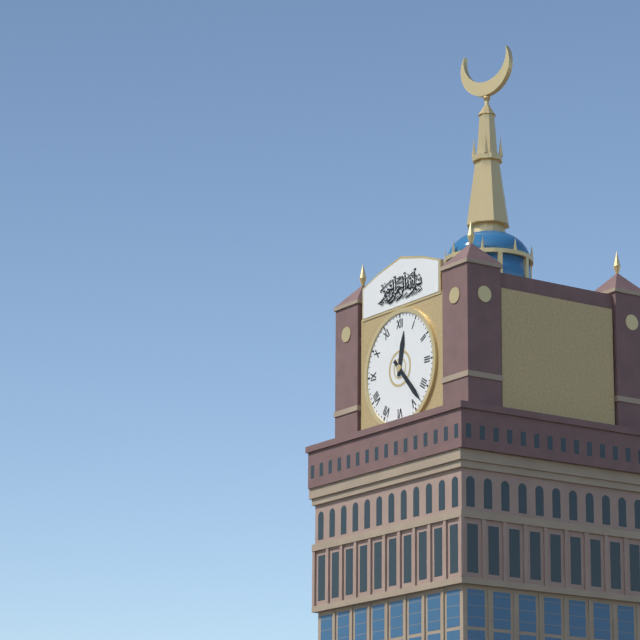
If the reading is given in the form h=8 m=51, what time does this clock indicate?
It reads h=12 m=23
